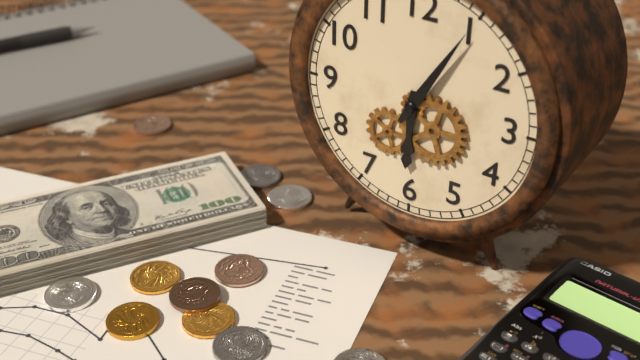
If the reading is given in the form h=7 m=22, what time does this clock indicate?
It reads h=6 m=5
